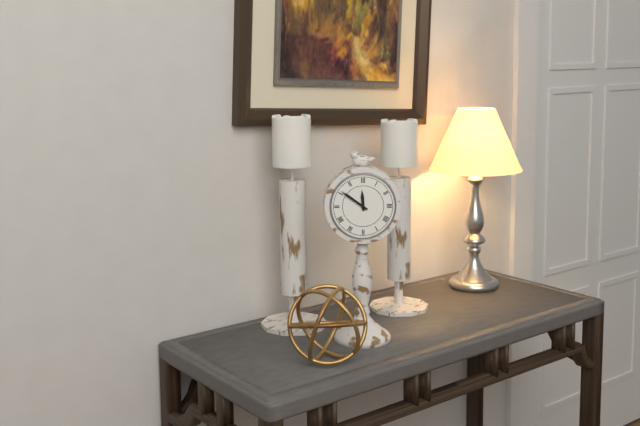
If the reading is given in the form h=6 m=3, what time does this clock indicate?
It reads h=11 m=51
